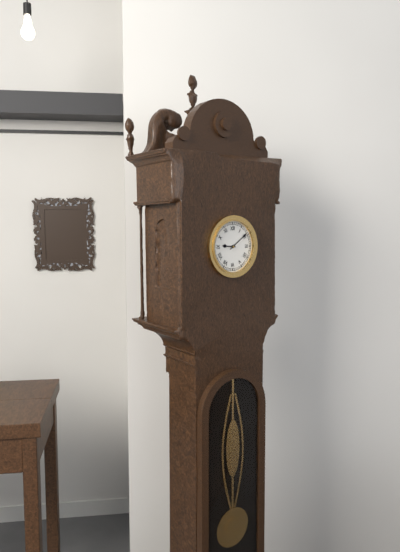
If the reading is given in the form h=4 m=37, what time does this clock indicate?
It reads h=9 m=9
